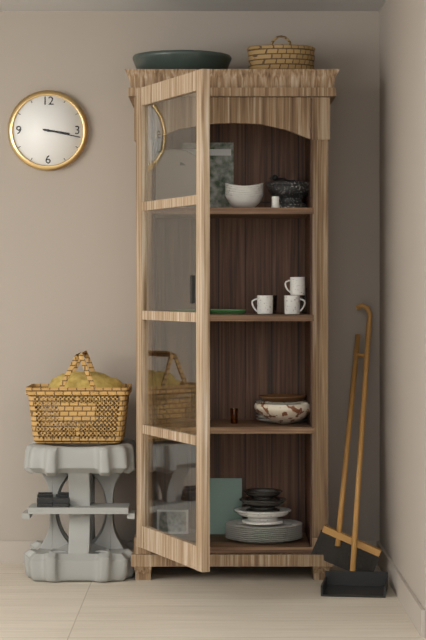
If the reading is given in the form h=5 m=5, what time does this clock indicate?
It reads h=3 m=17
